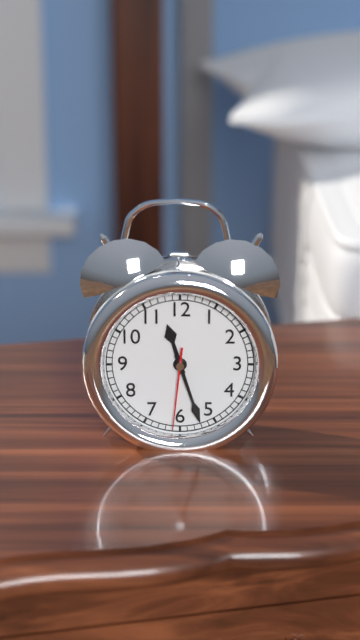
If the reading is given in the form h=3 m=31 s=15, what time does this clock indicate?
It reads h=11 m=27 s=31
